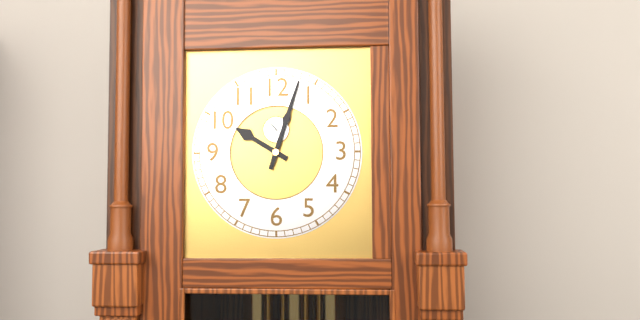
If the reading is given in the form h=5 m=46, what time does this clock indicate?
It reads h=10 m=3
